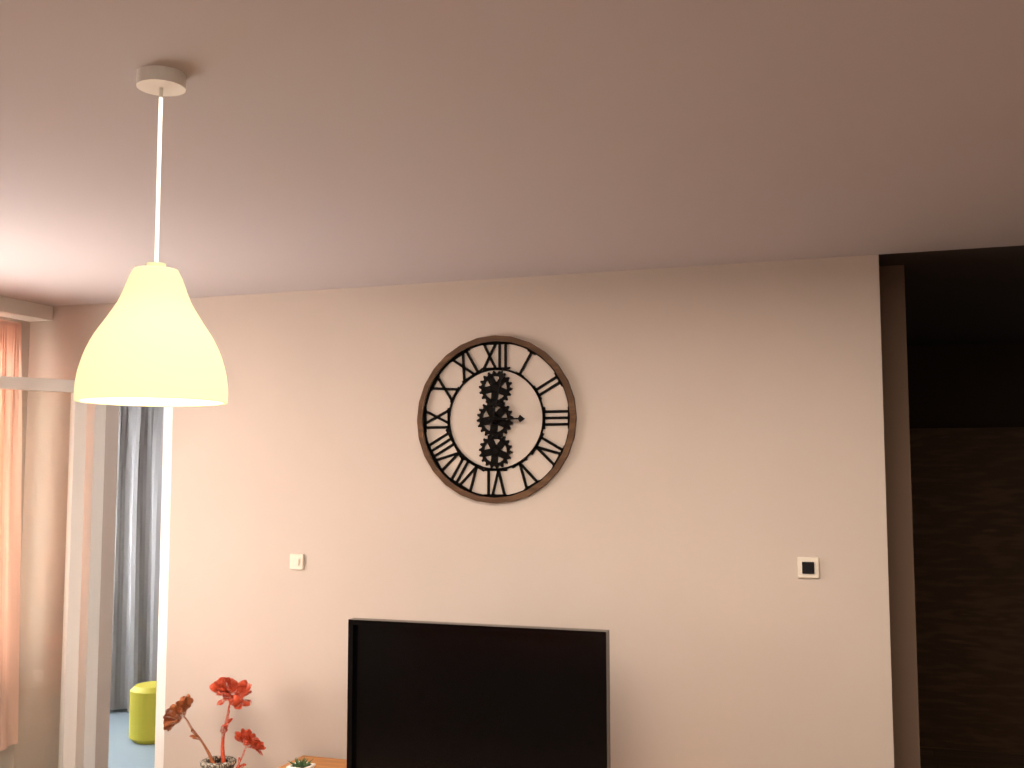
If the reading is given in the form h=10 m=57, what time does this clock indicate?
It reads h=3 m=2
